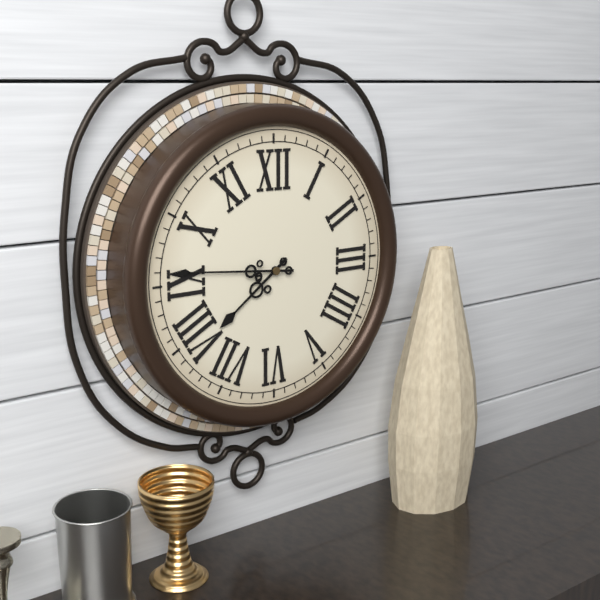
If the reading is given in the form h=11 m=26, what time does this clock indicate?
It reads h=7 m=46
